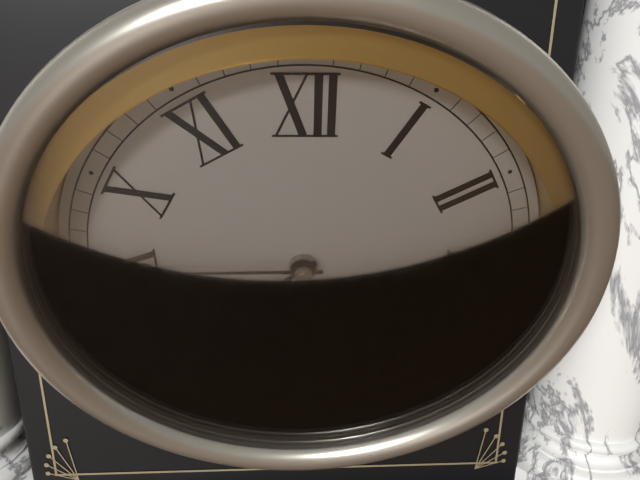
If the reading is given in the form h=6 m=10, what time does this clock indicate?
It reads h=7 m=45
